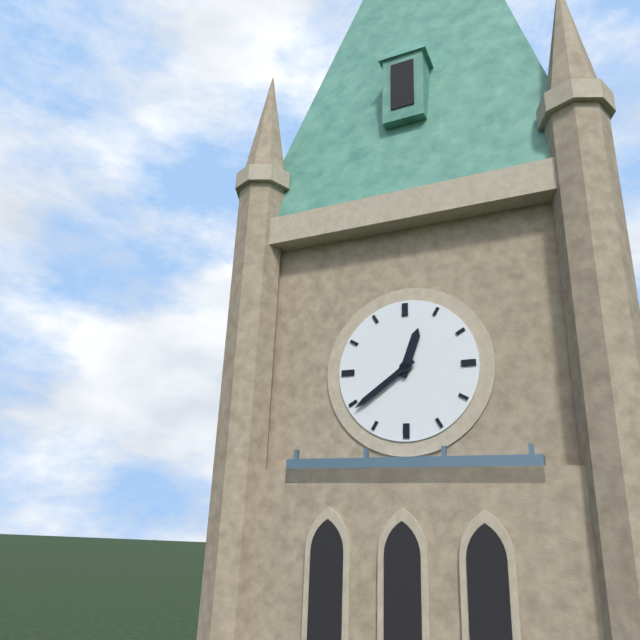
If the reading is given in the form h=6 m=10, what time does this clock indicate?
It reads h=12 m=39
